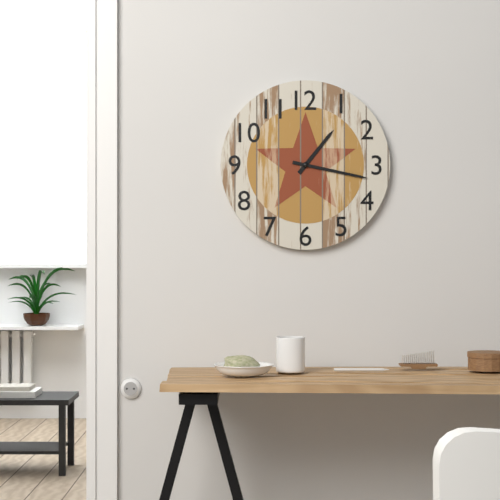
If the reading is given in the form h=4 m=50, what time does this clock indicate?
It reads h=1 m=17
